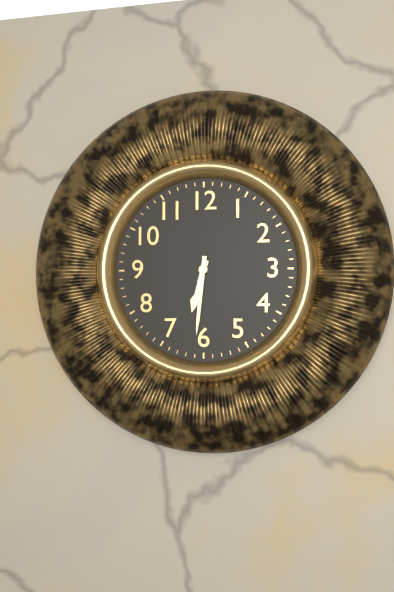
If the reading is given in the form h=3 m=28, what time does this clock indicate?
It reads h=6 m=31
